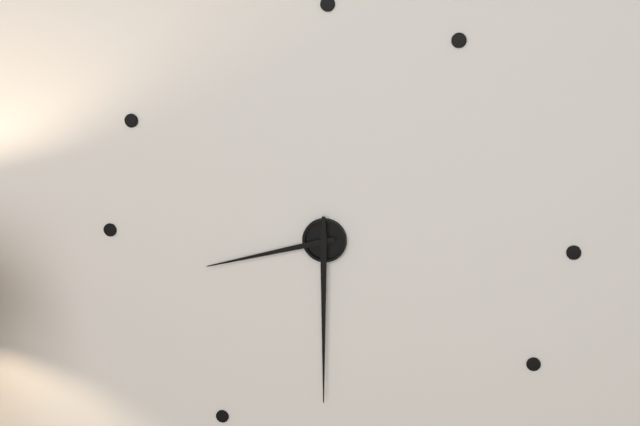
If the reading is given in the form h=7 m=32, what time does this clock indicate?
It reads h=8 m=30
